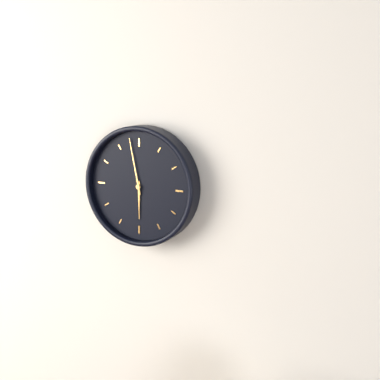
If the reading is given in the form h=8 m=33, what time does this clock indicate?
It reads h=5 m=58
